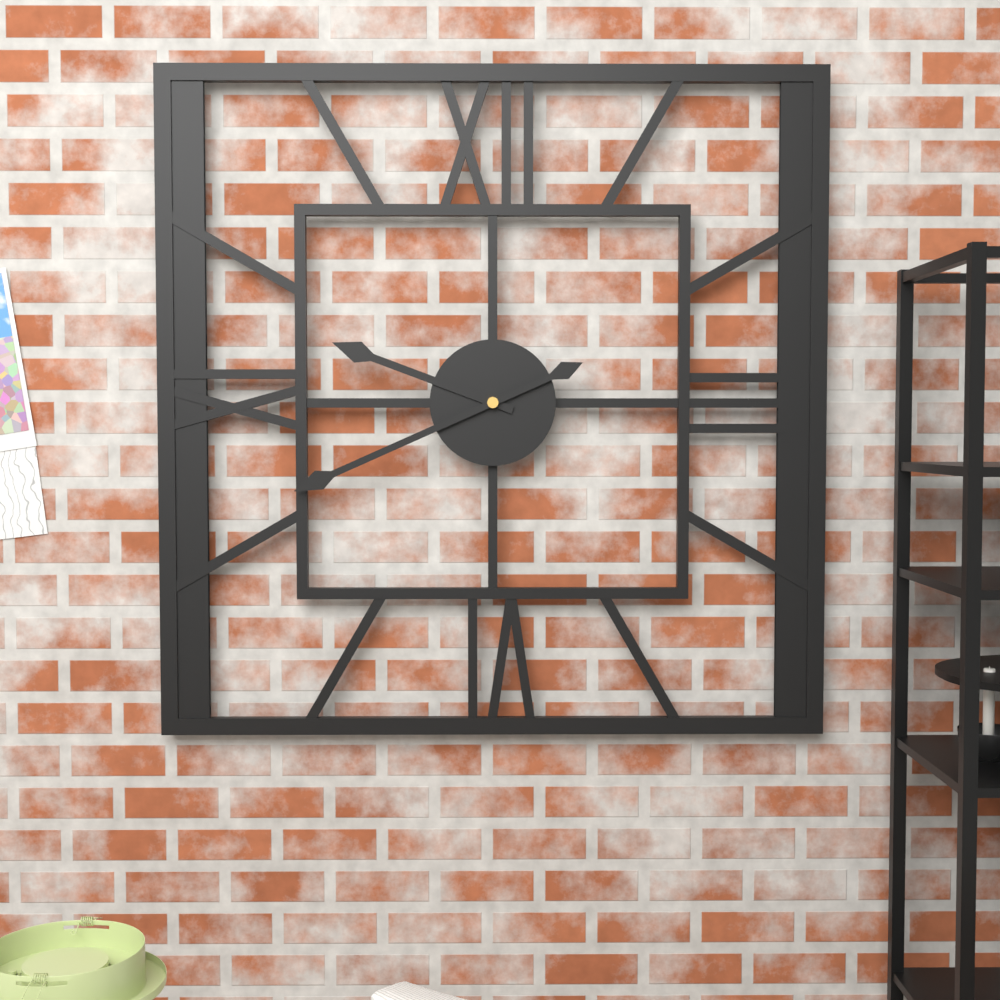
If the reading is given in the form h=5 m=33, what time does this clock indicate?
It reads h=9 m=41
